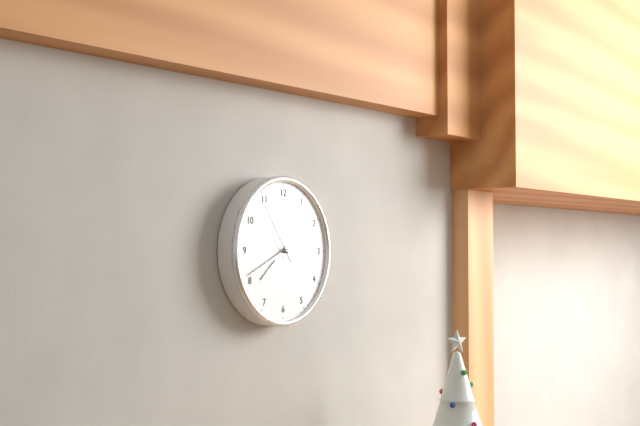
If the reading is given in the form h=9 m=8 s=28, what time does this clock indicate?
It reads h=7 m=41 s=54
